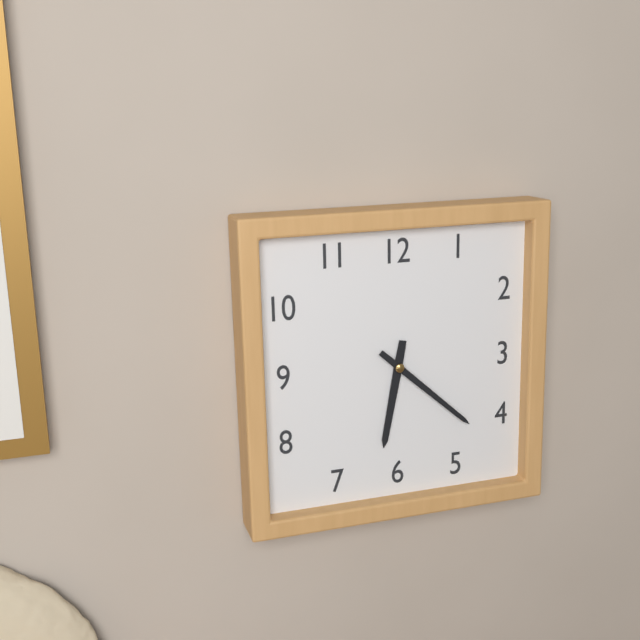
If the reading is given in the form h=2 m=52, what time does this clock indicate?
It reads h=6 m=22
